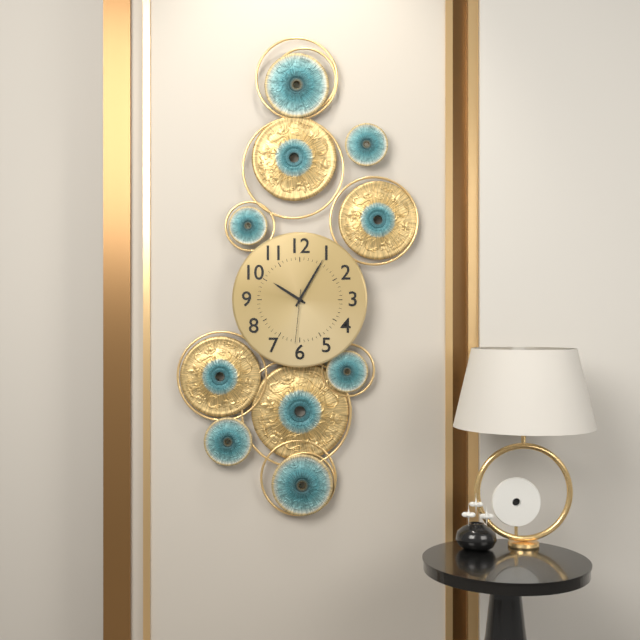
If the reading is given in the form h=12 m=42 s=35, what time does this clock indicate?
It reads h=10 m=5 s=31
